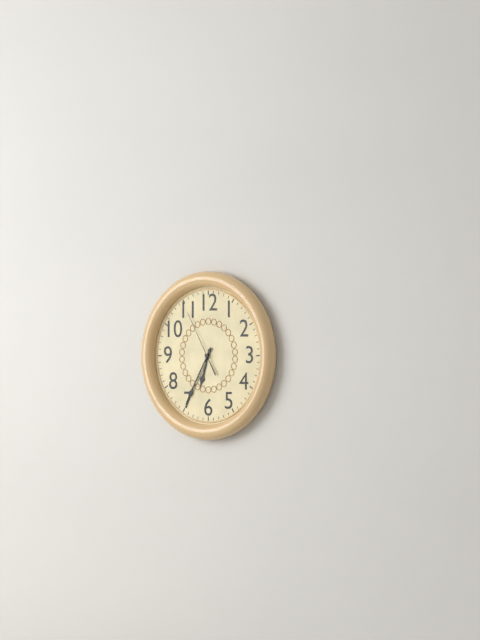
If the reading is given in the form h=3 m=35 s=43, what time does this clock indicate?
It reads h=6 m=35 s=55
